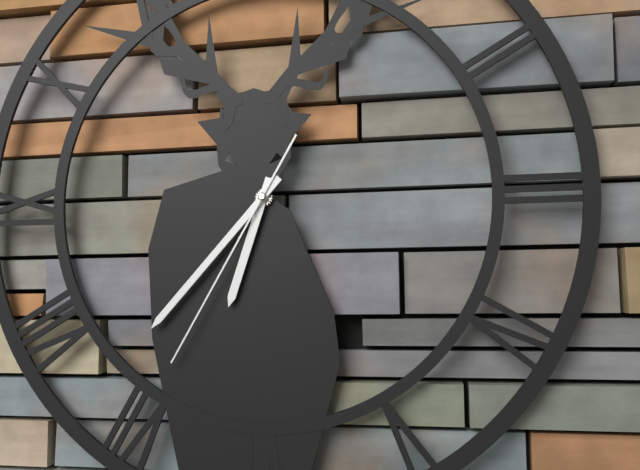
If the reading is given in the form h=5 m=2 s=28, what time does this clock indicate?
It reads h=6 m=37 s=35
